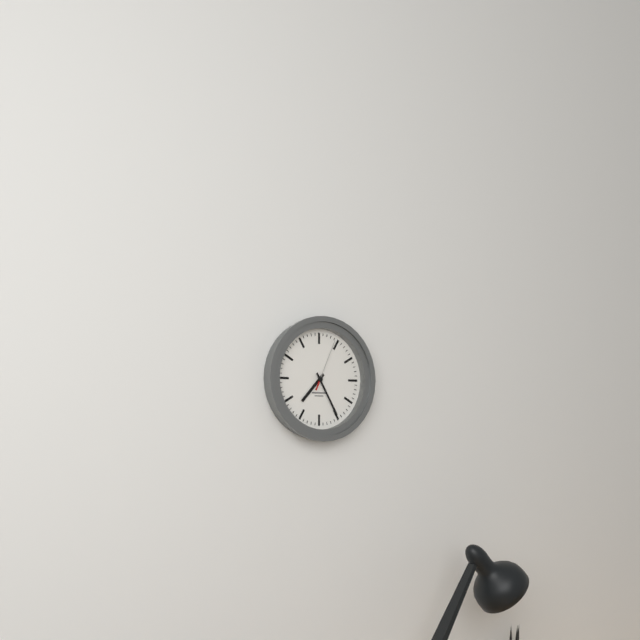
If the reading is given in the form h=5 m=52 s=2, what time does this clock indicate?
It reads h=7 m=25 s=4
